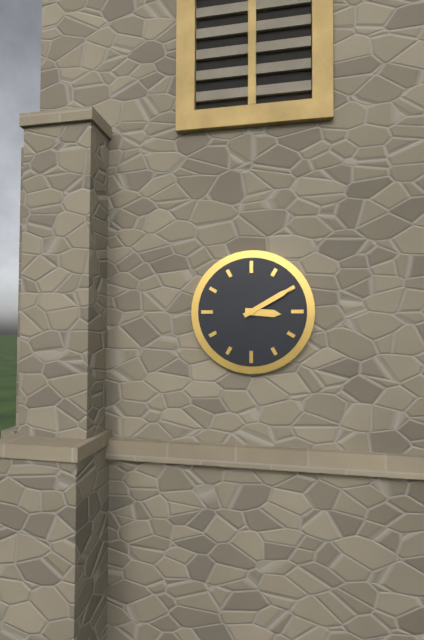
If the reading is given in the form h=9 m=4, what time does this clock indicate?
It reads h=3 m=10
